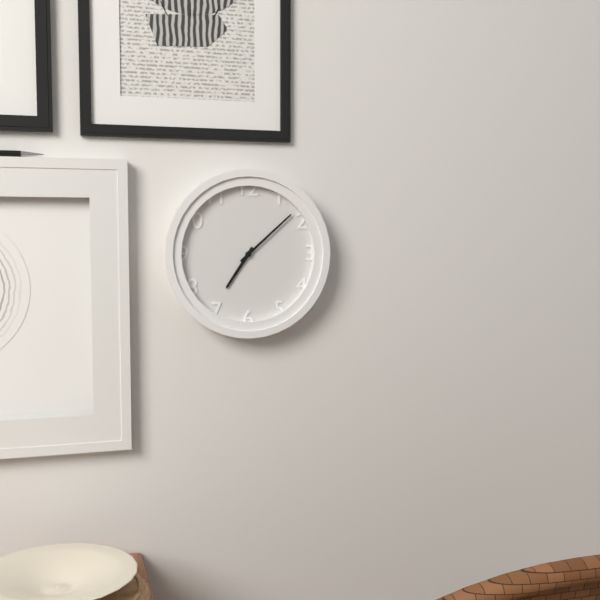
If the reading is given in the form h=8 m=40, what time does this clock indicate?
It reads h=7 m=8
